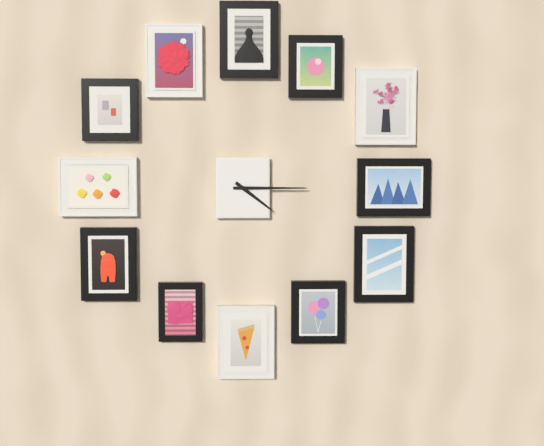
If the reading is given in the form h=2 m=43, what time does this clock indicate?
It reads h=4 m=15
